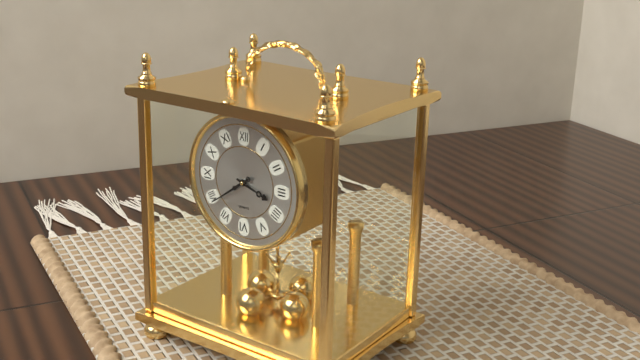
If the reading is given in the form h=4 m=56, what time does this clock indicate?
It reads h=3 m=39
